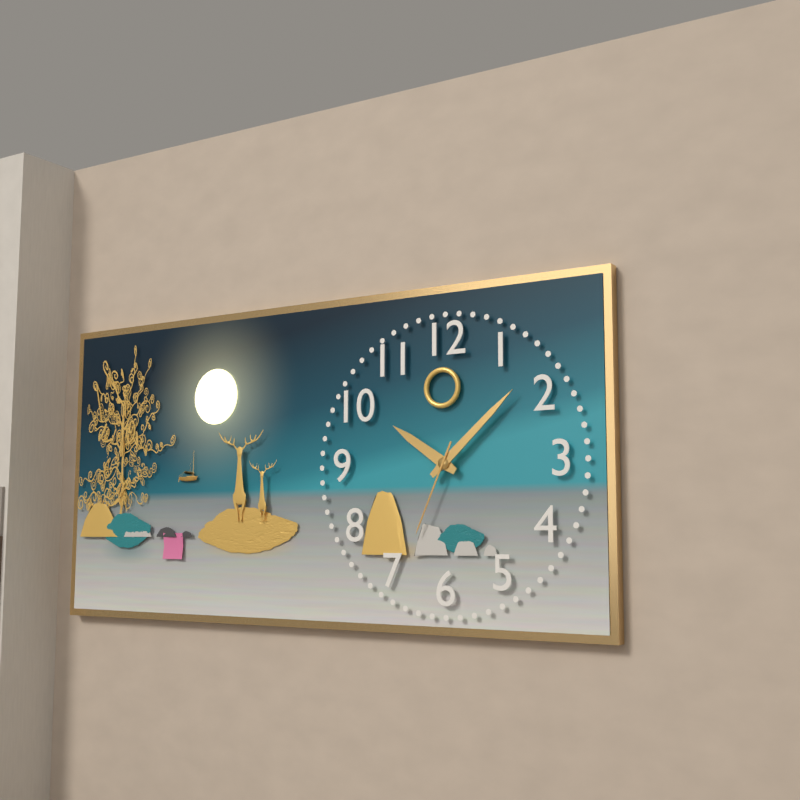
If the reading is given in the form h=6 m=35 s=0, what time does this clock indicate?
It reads h=10 m=8 s=34
